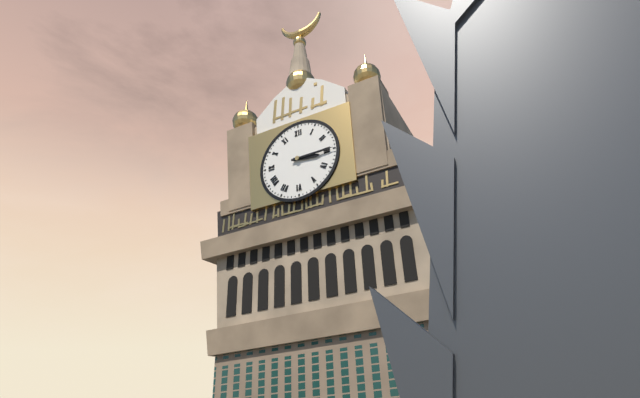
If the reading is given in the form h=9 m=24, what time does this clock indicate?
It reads h=3 m=15
